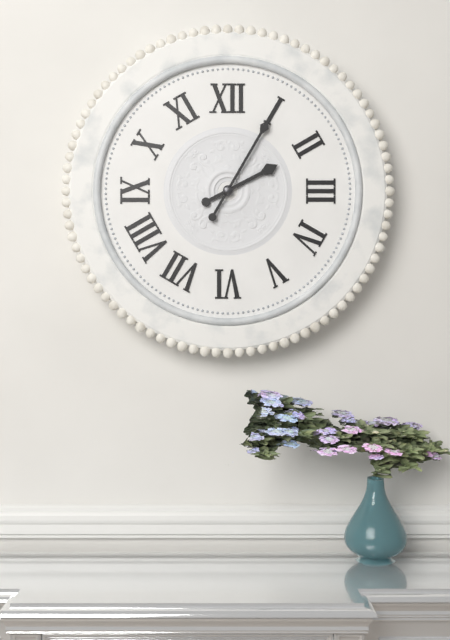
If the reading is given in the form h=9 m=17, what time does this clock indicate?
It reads h=2 m=5
